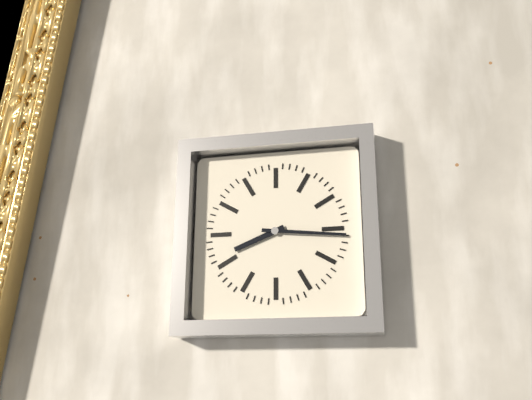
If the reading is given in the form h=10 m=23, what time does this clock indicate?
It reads h=8 m=16
